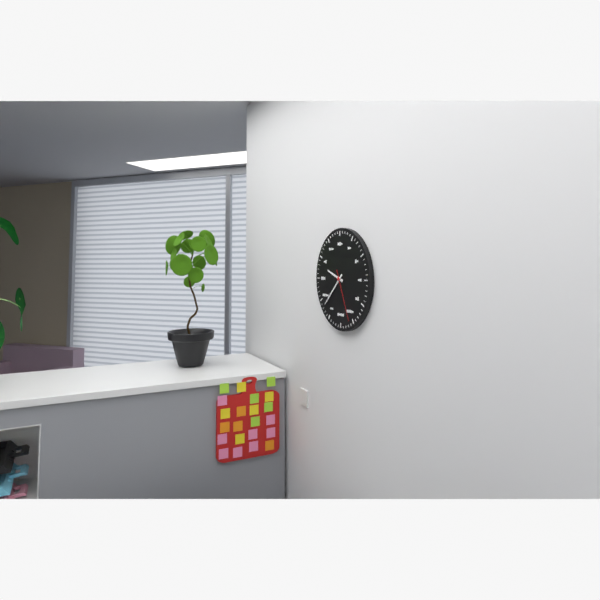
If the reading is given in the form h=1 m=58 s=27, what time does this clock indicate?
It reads h=9 m=38 s=26
